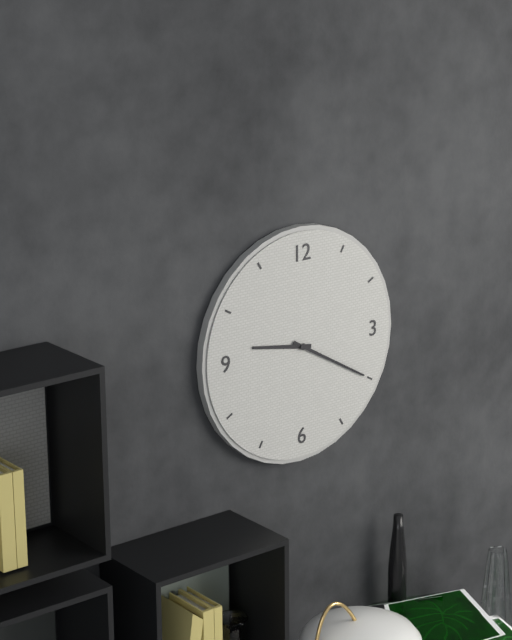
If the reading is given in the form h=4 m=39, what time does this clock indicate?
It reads h=9 m=20
